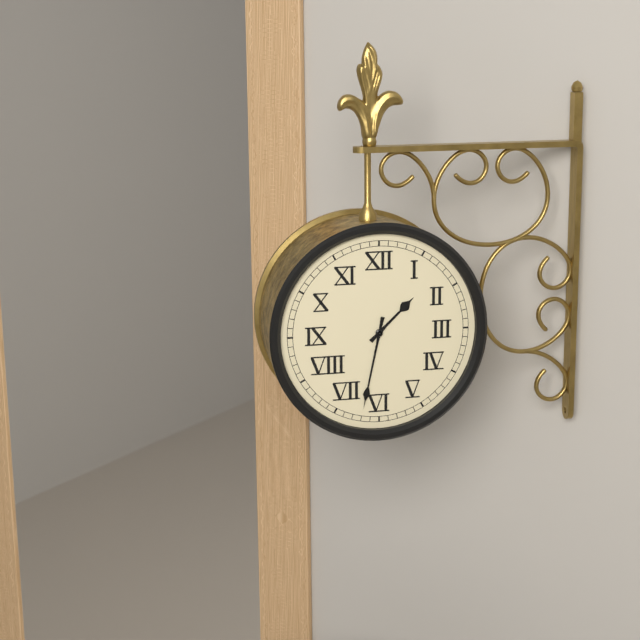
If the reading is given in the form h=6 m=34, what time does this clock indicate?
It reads h=1 m=32
